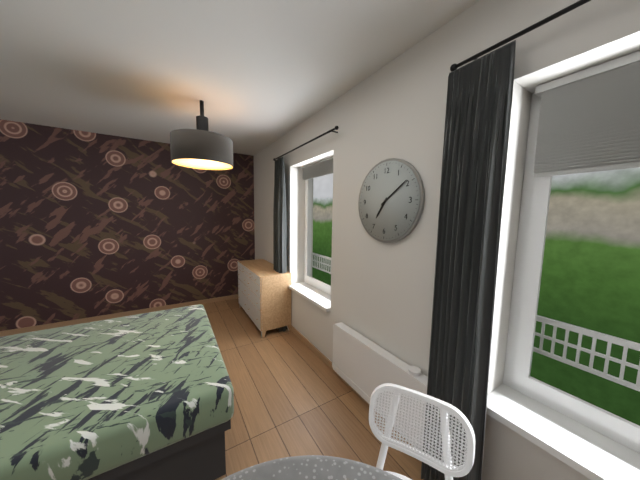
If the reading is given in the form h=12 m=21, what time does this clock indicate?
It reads h=7 m=9
